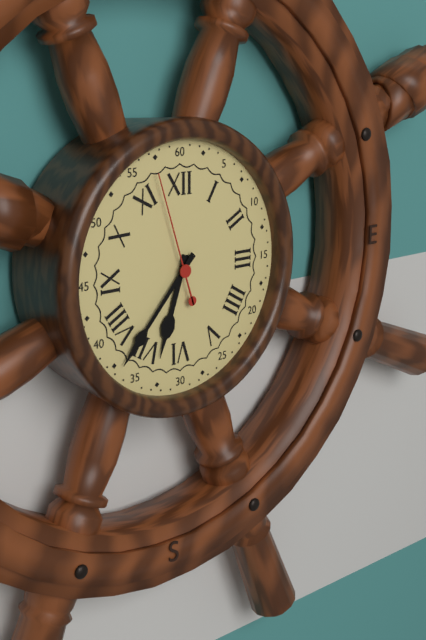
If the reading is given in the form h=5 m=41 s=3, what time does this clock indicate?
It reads h=6 m=37 s=57
